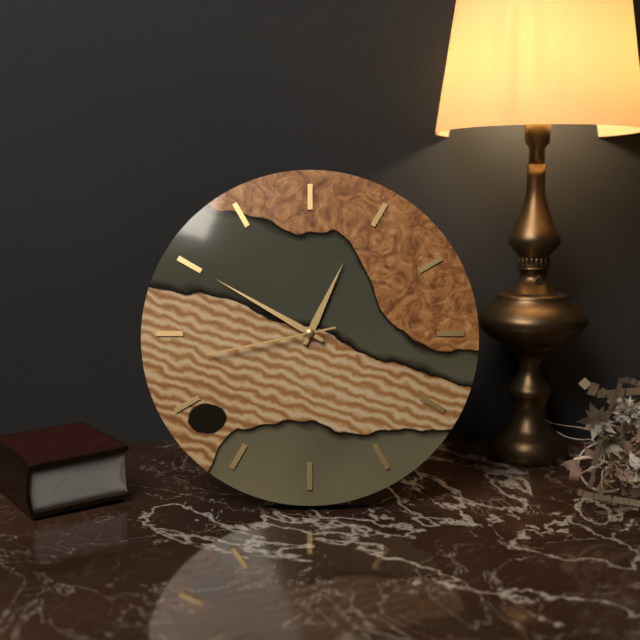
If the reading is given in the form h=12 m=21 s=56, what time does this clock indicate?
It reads h=12 m=50 s=43
